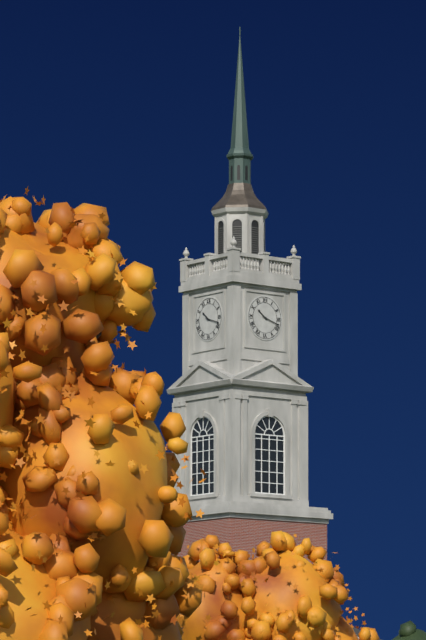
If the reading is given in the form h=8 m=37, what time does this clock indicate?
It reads h=10 m=18
